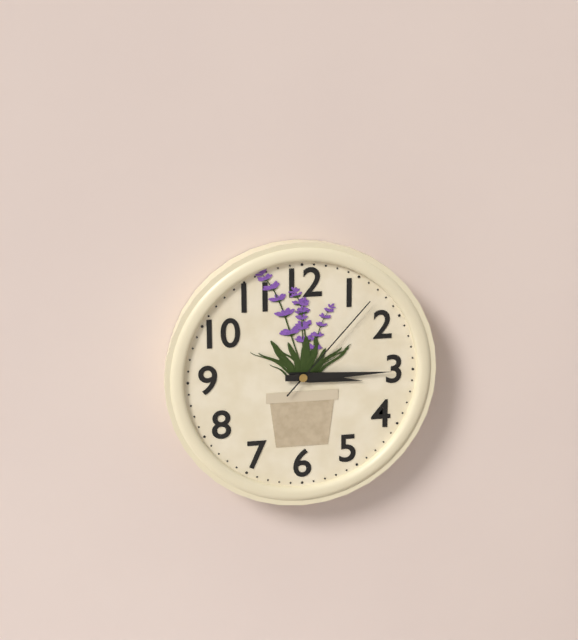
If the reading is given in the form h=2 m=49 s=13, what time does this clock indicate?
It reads h=3 m=15 s=7
